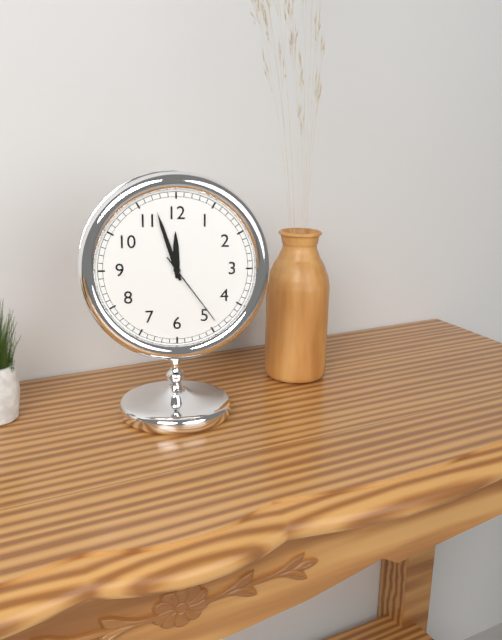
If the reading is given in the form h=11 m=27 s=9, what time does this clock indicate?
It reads h=11 m=57 s=24
